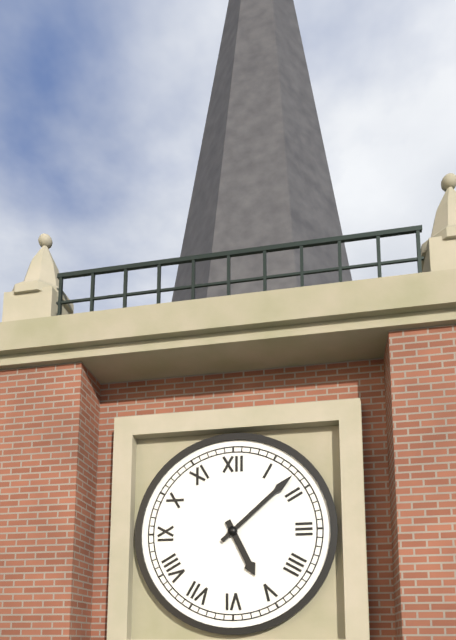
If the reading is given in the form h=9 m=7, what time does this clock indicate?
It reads h=5 m=8
